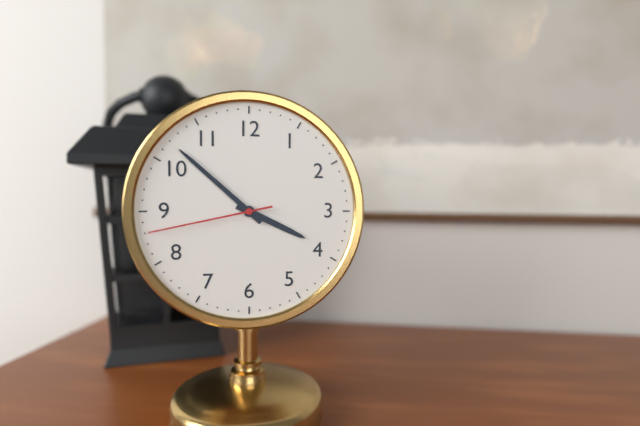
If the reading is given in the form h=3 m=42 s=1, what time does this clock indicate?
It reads h=3 m=52 s=43
